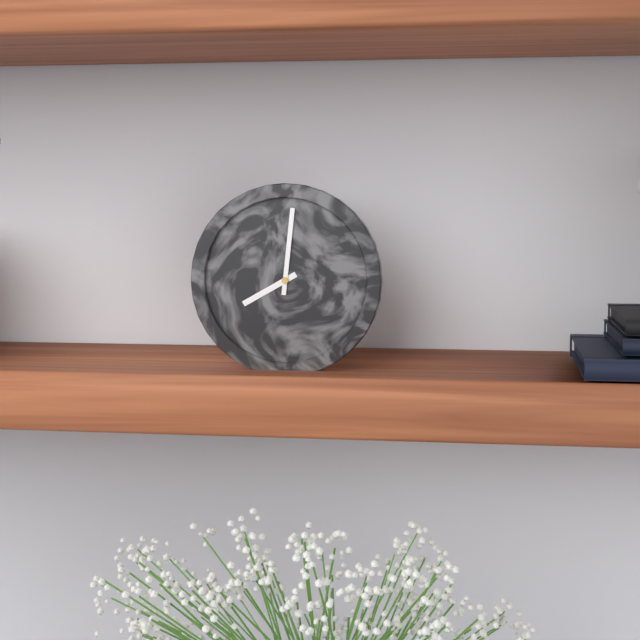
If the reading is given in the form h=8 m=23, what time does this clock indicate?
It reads h=8 m=1
